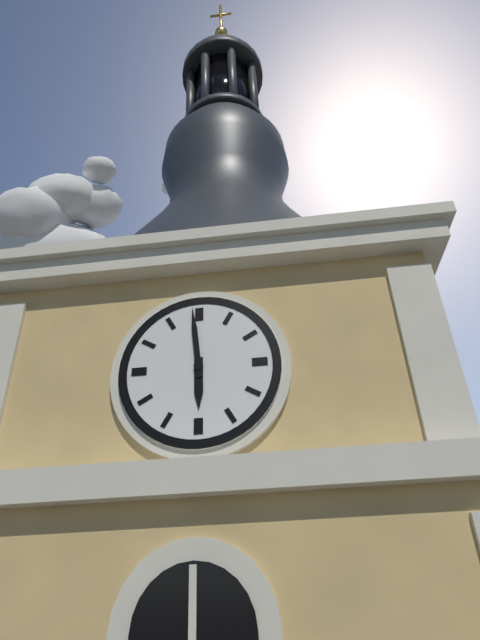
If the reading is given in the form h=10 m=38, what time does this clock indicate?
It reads h=5 m=59
